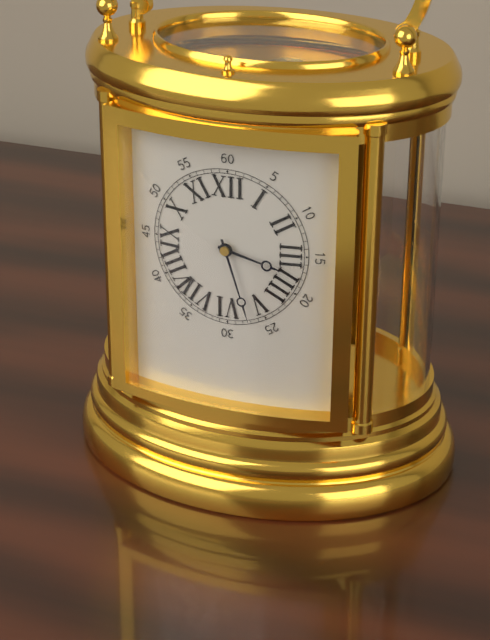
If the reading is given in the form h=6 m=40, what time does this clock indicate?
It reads h=3 m=27
